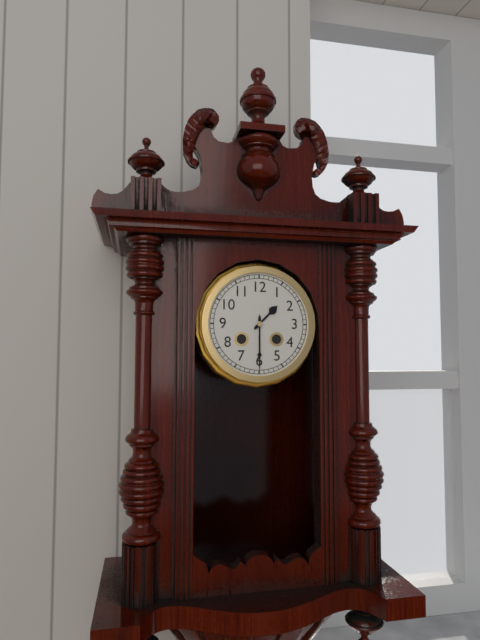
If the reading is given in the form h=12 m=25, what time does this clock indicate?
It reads h=1 m=30
